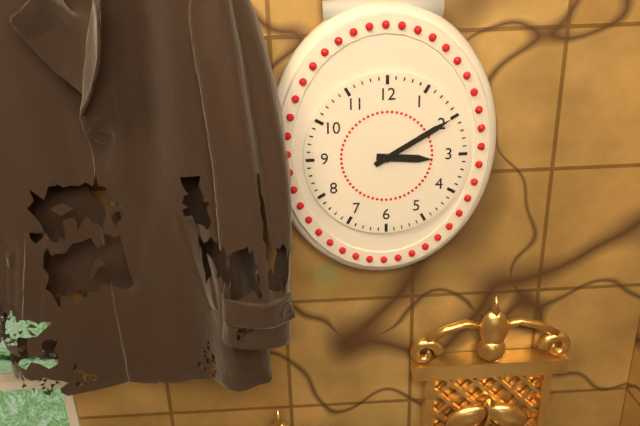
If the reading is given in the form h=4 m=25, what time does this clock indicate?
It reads h=3 m=10
